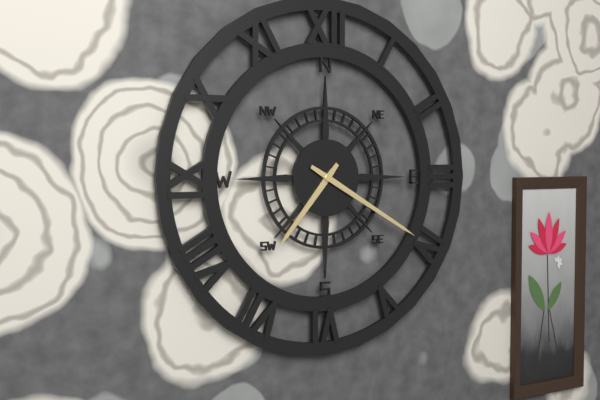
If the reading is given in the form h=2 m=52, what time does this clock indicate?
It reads h=7 m=20
